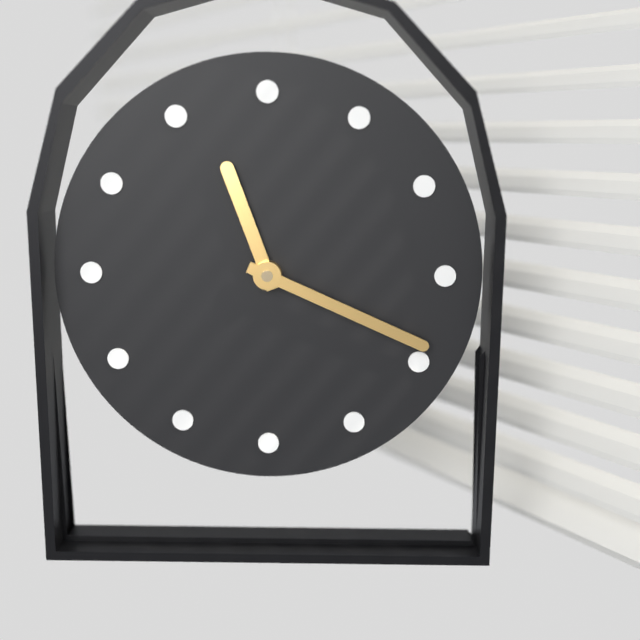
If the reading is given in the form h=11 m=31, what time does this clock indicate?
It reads h=11 m=19
